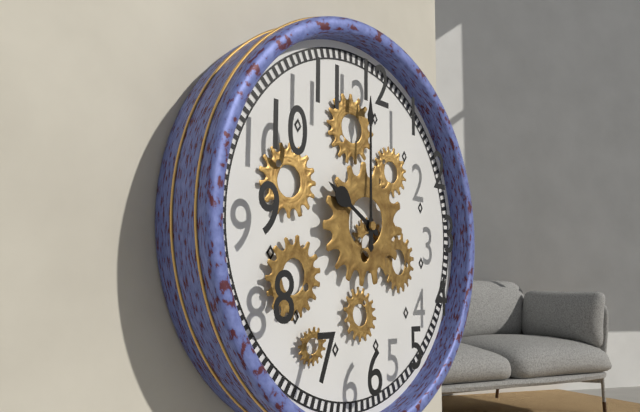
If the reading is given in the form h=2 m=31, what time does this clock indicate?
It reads h=10 m=0
